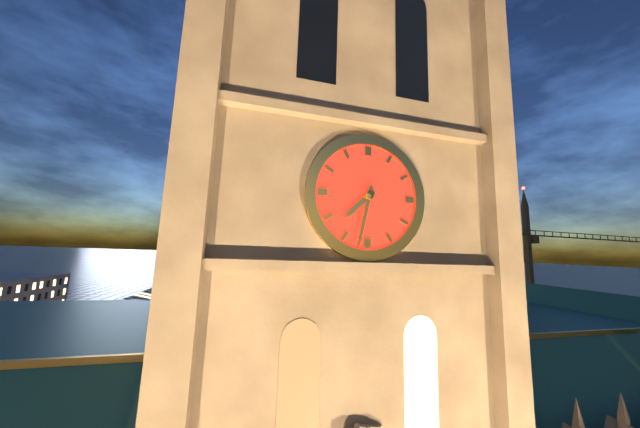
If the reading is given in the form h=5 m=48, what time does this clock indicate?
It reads h=7 m=32
